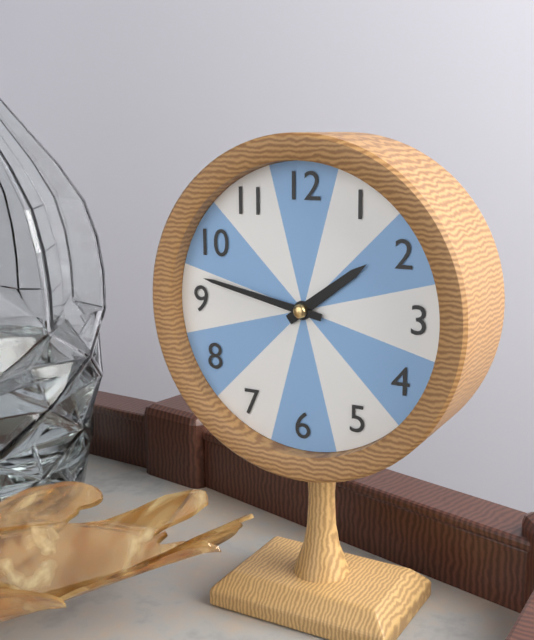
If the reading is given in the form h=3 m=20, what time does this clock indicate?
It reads h=1 m=47
